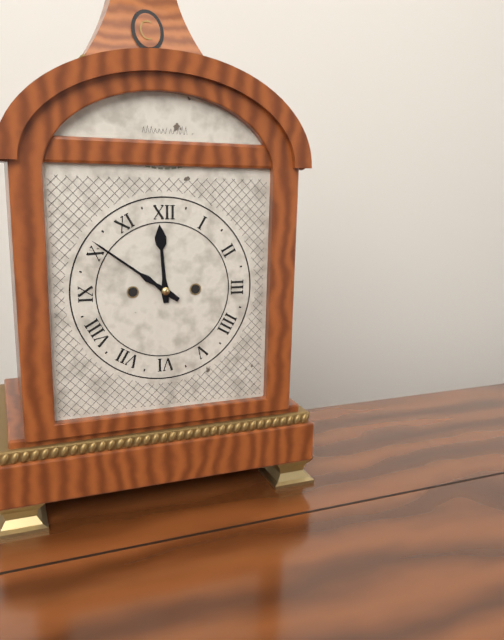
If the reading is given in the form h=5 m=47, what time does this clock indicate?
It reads h=11 m=51
